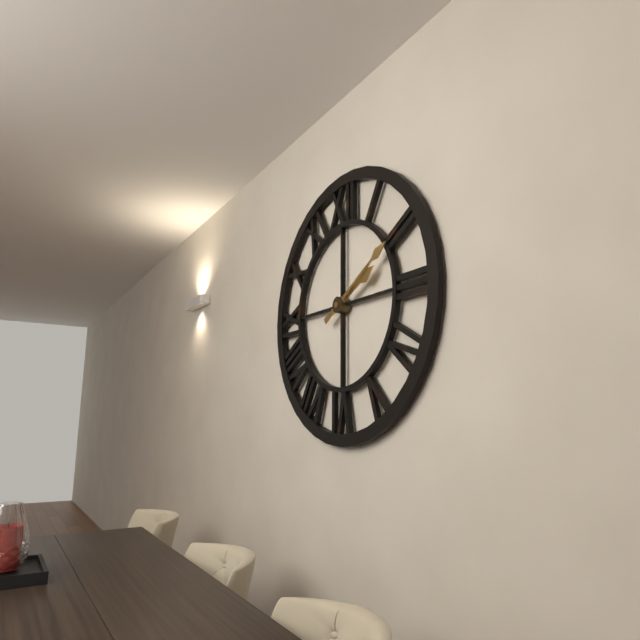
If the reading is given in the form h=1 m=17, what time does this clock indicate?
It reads h=2 m=10
